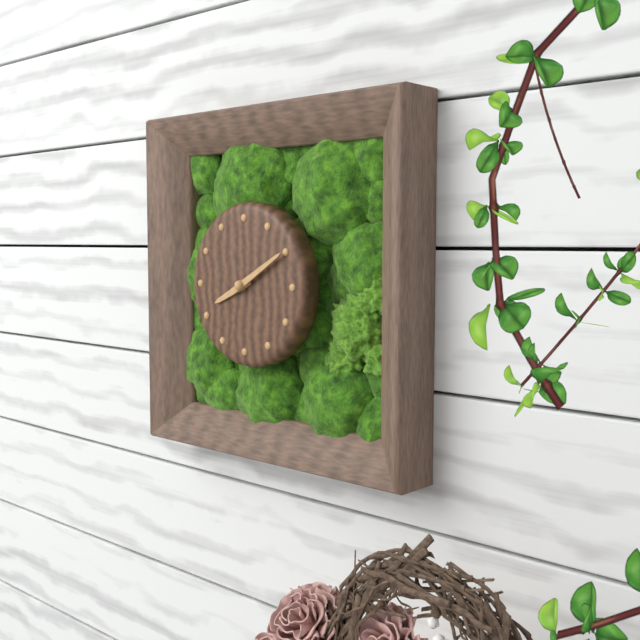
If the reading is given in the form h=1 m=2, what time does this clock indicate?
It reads h=8 m=10
